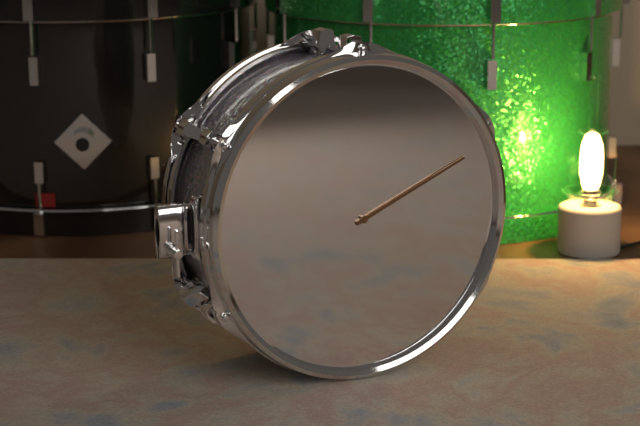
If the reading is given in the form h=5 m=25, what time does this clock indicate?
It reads h=2 m=11
